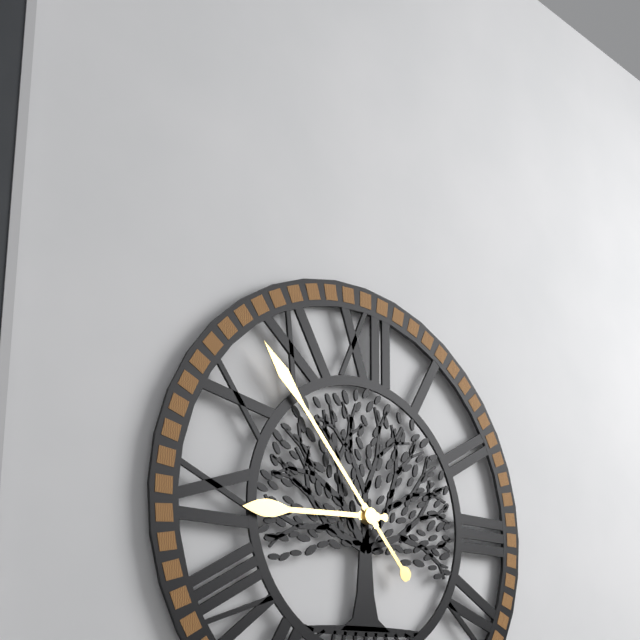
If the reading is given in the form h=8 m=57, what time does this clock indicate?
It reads h=8 m=53
